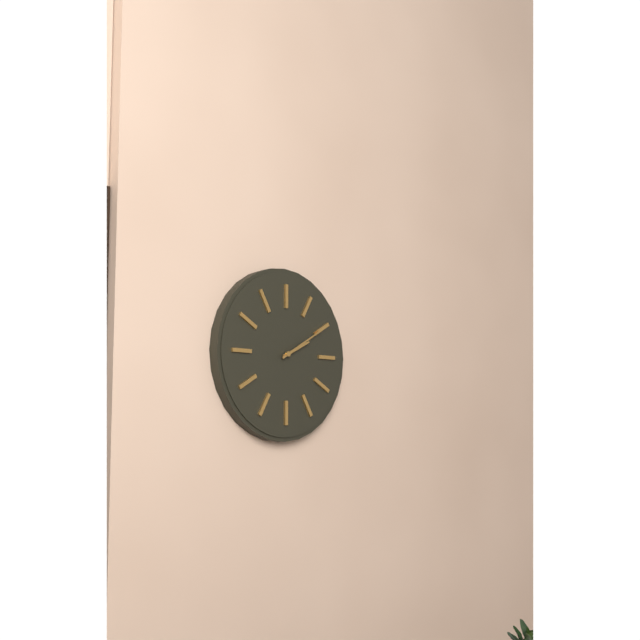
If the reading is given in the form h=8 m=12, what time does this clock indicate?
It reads h=2 m=10
